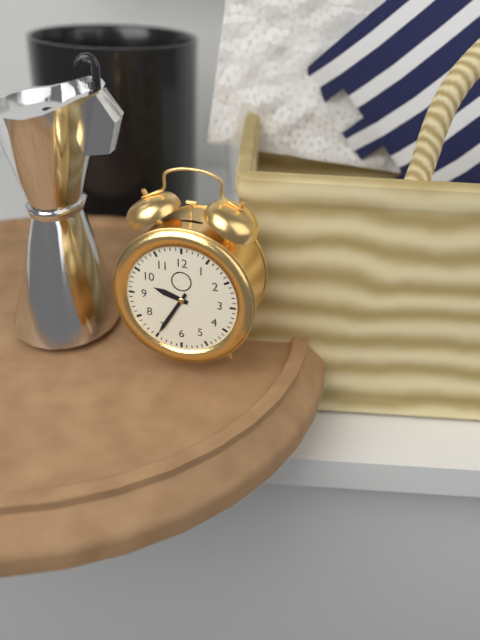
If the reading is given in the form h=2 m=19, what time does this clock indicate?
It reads h=9 m=35
